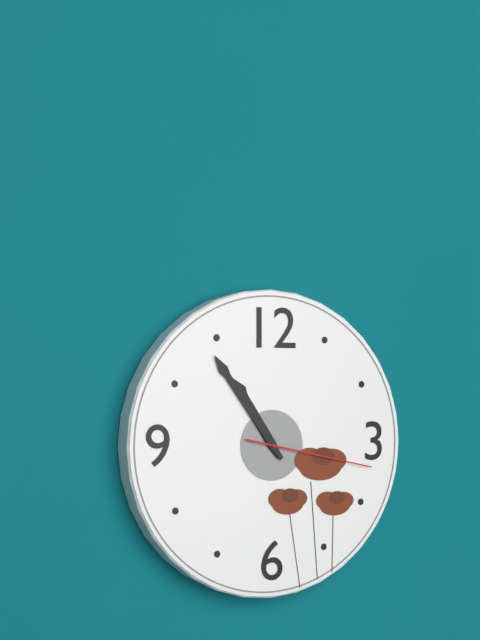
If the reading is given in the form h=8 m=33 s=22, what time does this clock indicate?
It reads h=10 m=54 s=17
